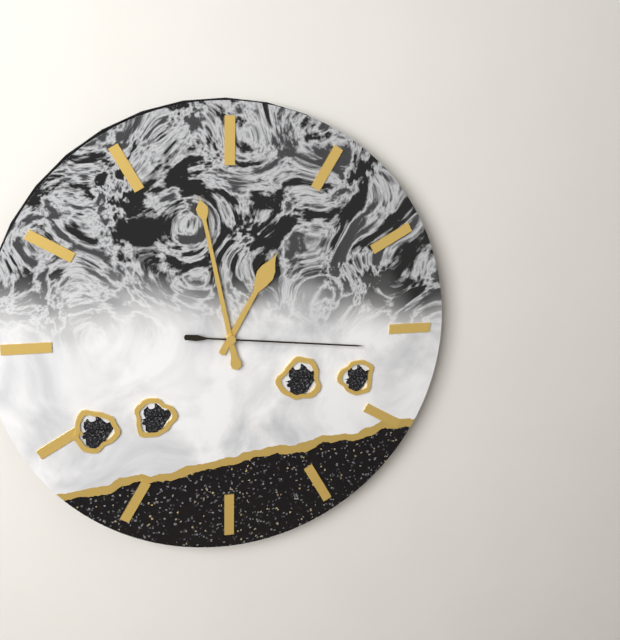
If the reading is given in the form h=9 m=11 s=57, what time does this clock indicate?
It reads h=12 m=58 s=16
